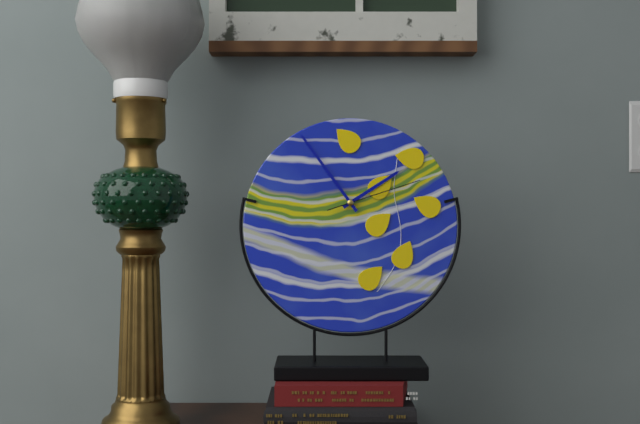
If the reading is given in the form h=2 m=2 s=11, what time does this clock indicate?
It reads h=1 m=54 s=12
